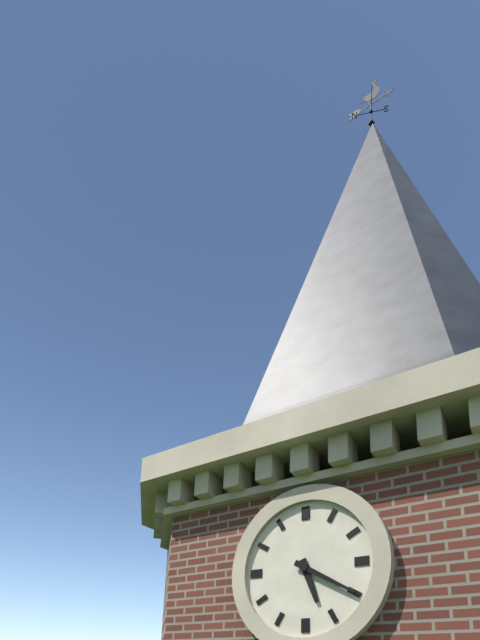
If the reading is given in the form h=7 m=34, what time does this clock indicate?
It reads h=5 m=20
